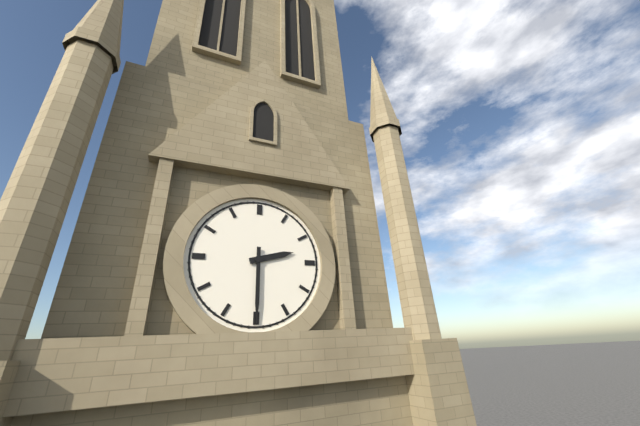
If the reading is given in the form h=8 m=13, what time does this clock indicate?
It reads h=2 m=30
